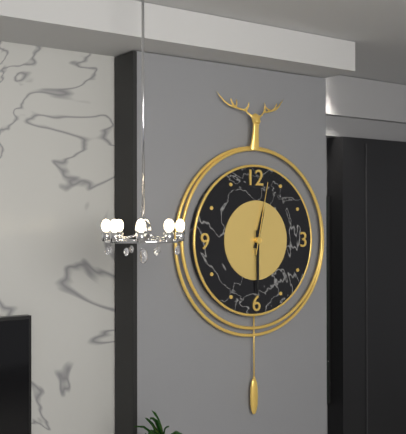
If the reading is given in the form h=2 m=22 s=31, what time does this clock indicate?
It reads h=12 m=30 s=2
